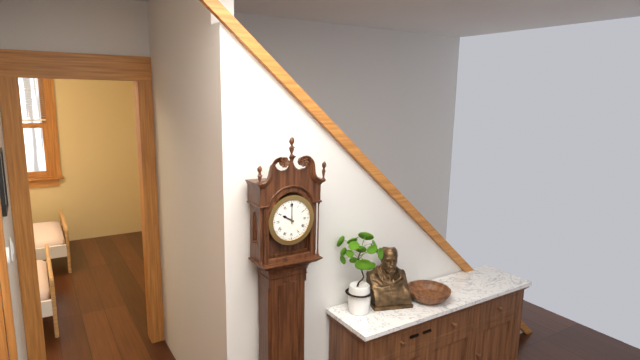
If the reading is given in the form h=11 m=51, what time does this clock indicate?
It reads h=10 m=0
